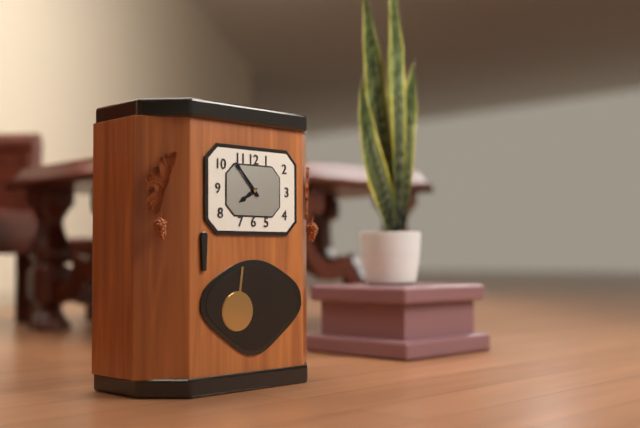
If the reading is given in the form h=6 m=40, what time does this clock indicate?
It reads h=7 m=53
